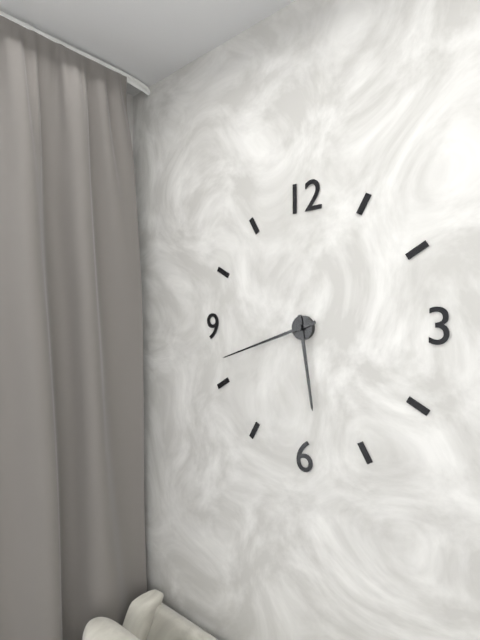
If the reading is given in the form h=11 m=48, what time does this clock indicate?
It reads h=5 m=42
